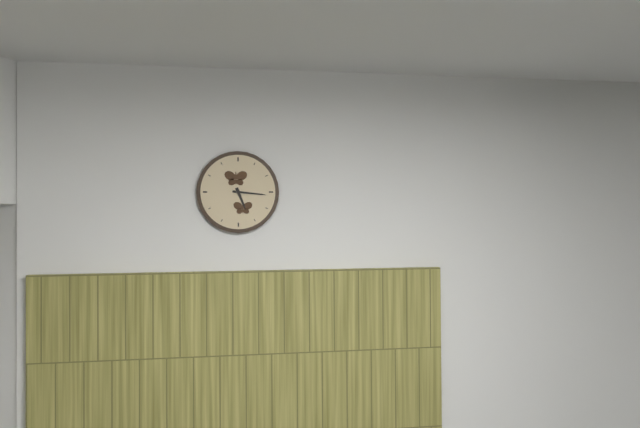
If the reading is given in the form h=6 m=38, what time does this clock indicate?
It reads h=5 m=16
